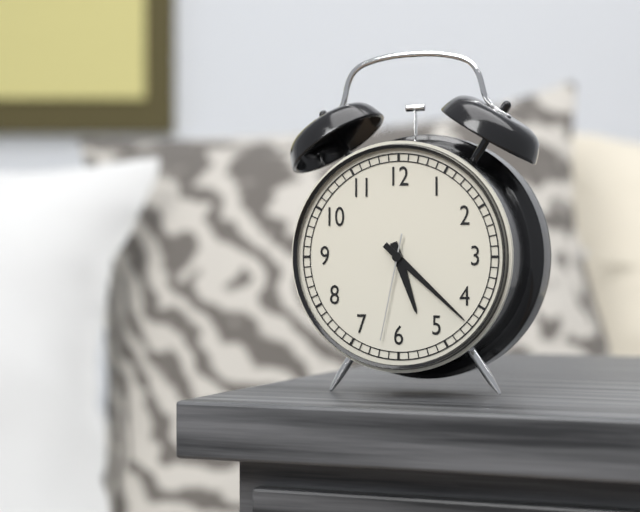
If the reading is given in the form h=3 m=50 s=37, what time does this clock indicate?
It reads h=5 m=22 s=32
